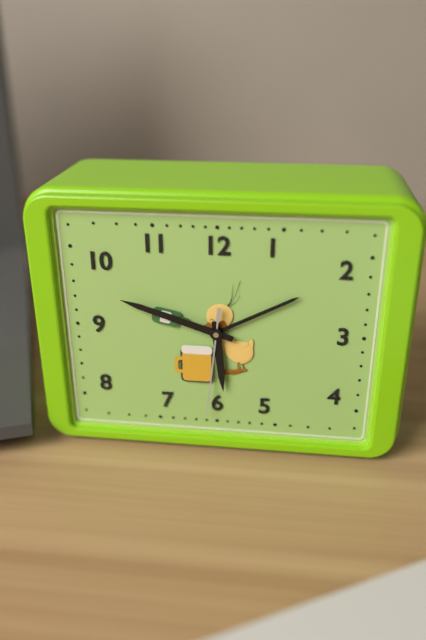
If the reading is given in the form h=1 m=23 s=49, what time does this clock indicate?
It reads h=5 m=48 s=31
